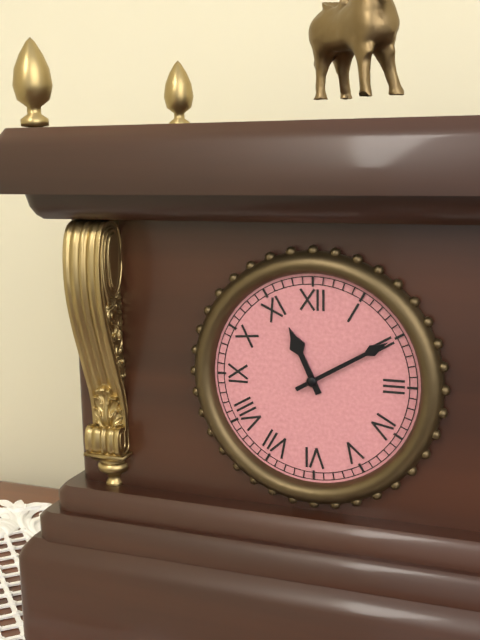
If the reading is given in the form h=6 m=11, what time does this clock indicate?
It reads h=11 m=10
